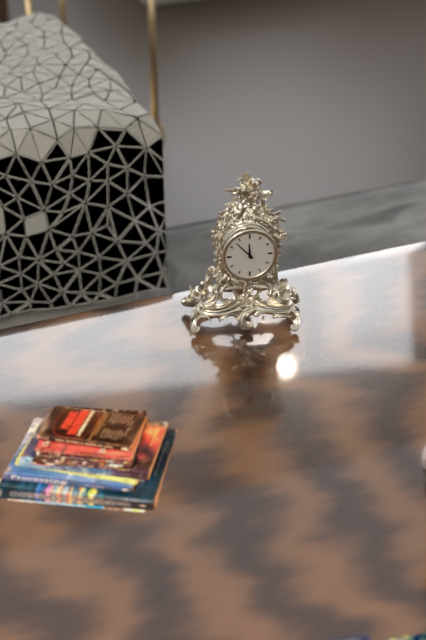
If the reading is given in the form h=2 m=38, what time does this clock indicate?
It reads h=11 m=53
